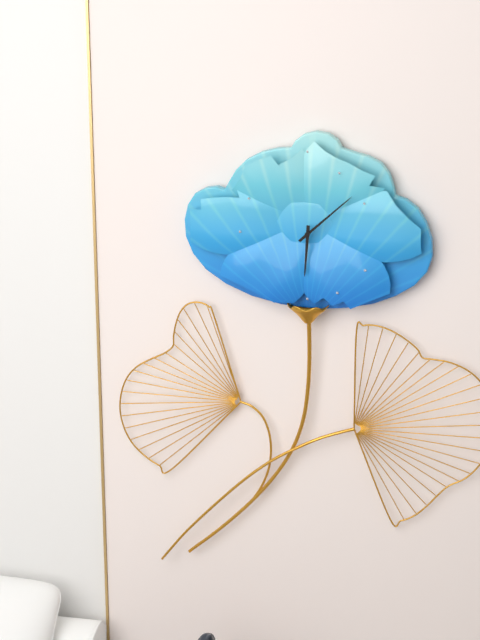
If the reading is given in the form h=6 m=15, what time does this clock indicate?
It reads h=6 m=8
